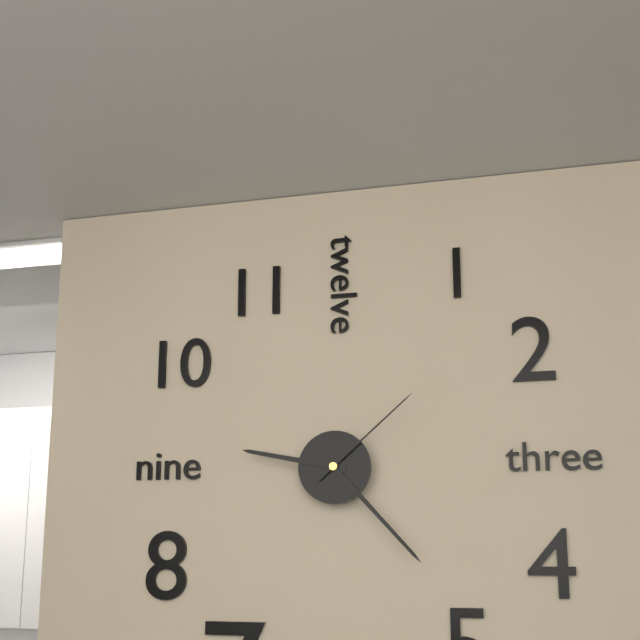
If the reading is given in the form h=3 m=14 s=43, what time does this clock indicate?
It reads h=9 m=23 s=8
